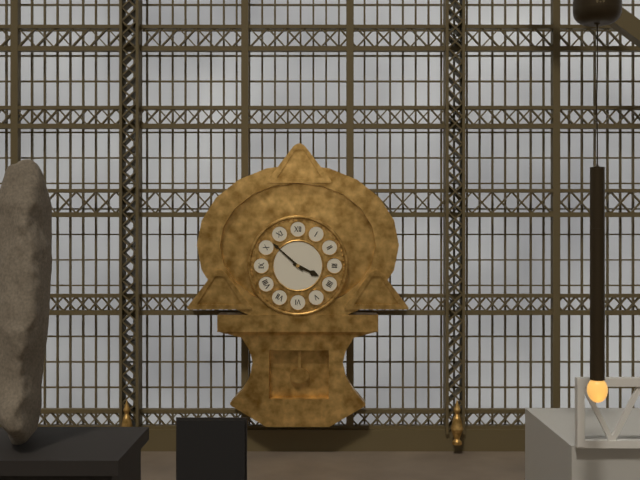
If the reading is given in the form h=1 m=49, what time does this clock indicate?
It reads h=3 m=52
